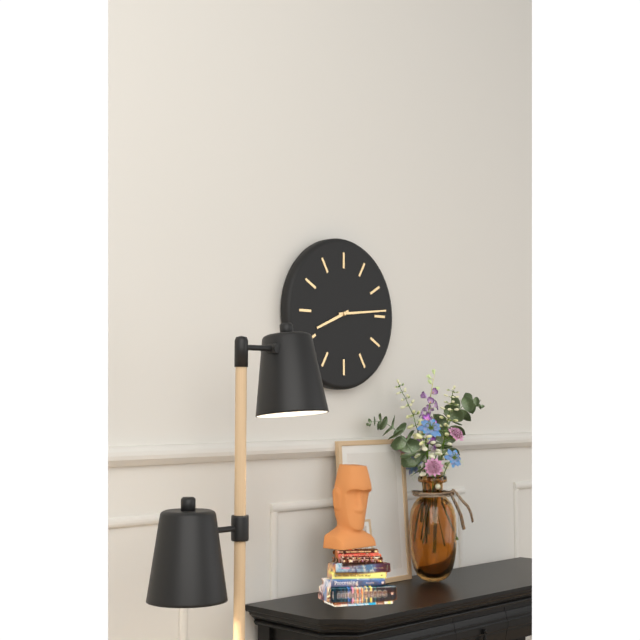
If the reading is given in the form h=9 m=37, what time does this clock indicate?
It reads h=8 m=14
